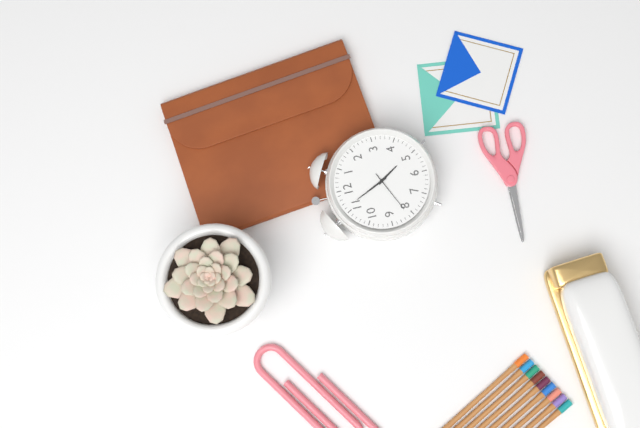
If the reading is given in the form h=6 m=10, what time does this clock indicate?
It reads h=4 m=56
